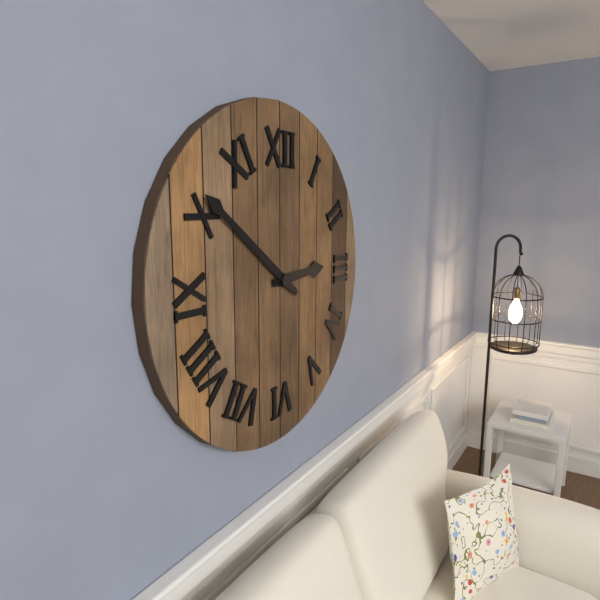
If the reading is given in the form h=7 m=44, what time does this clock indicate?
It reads h=2 m=51
